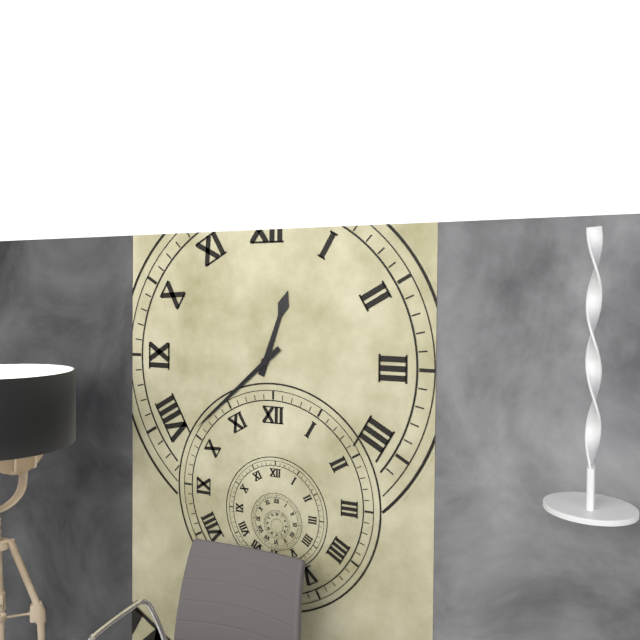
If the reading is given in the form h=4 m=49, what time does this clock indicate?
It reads h=12 m=38
